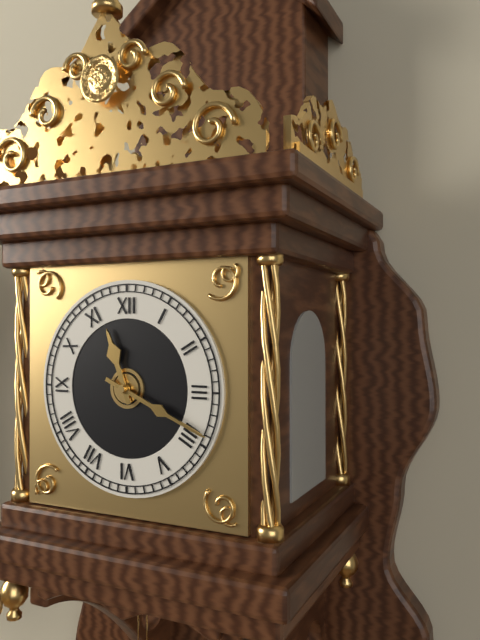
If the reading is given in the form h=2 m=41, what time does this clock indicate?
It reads h=11 m=19
